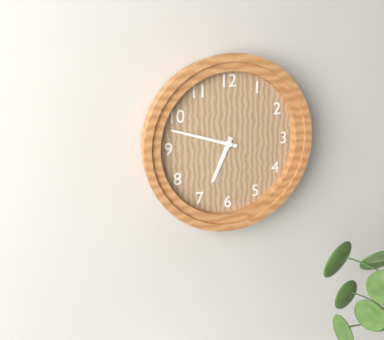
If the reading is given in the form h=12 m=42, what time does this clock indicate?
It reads h=6 m=48
